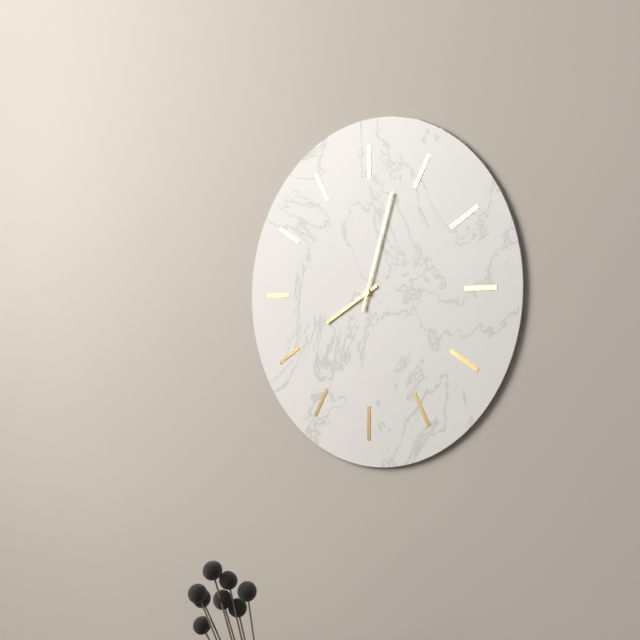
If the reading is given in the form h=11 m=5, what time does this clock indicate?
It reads h=8 m=3
